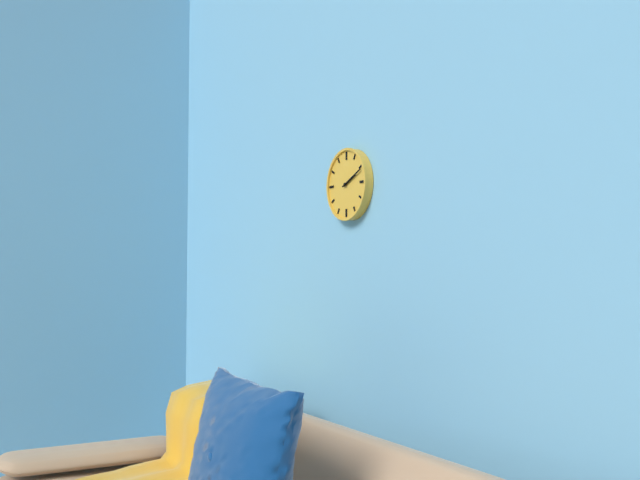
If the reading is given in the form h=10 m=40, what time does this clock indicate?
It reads h=2 m=11
